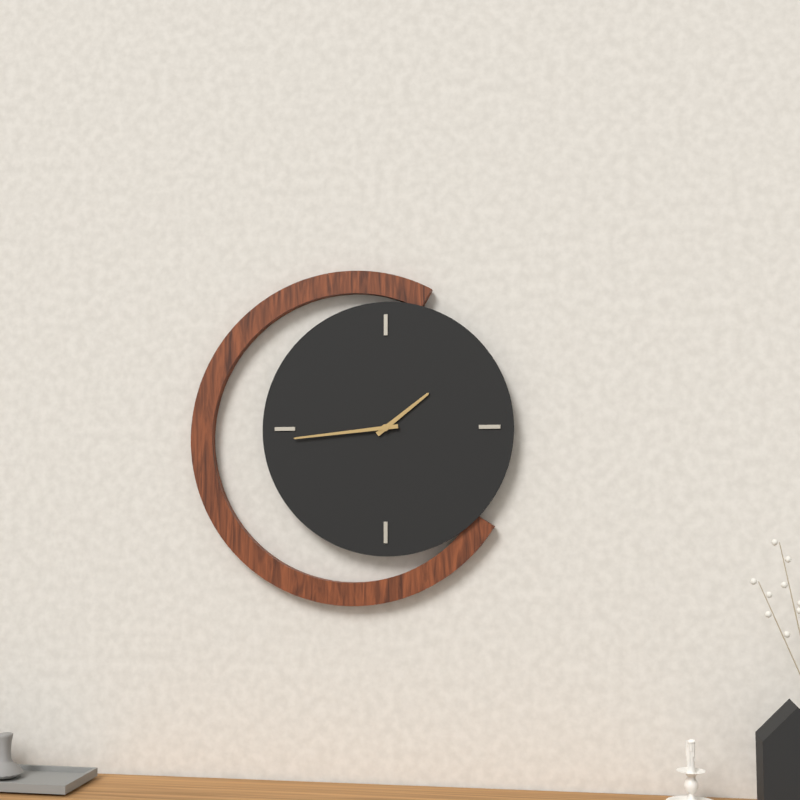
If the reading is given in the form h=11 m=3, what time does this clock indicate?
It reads h=1 m=44
